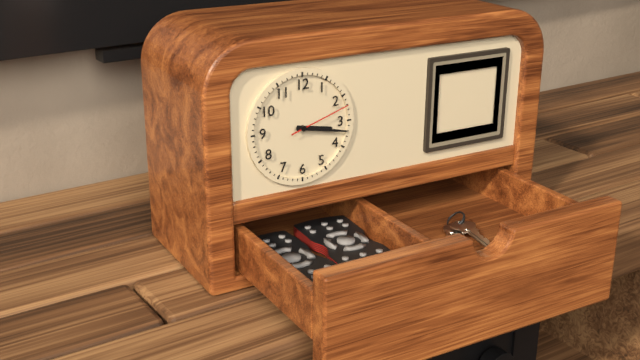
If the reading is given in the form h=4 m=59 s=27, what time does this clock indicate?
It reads h=3 m=17 s=12
